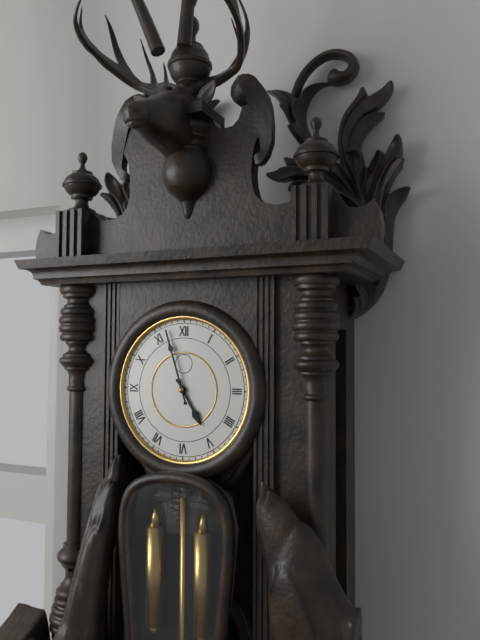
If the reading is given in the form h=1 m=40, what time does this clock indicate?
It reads h=4 m=57
